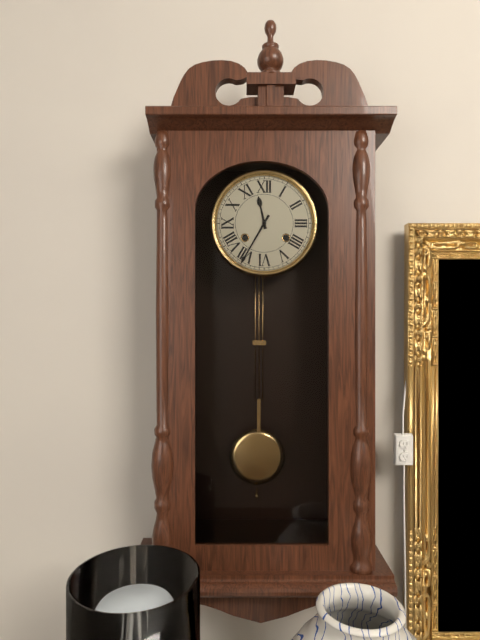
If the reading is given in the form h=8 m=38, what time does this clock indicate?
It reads h=11 m=35
